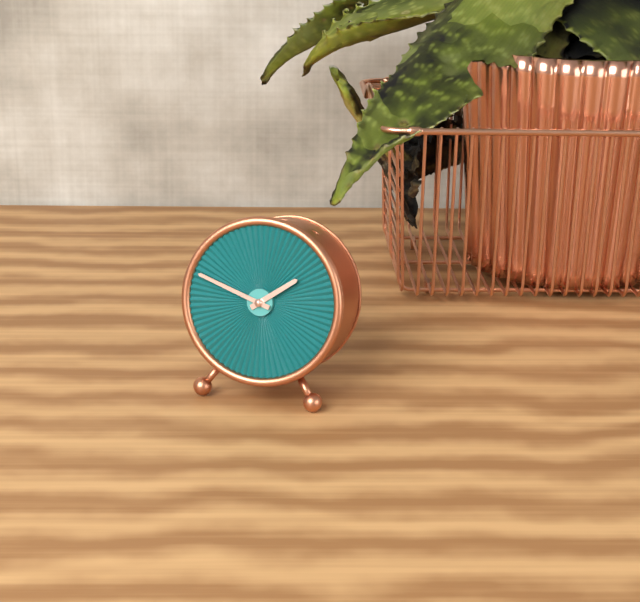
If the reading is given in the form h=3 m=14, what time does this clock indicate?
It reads h=1 m=48
